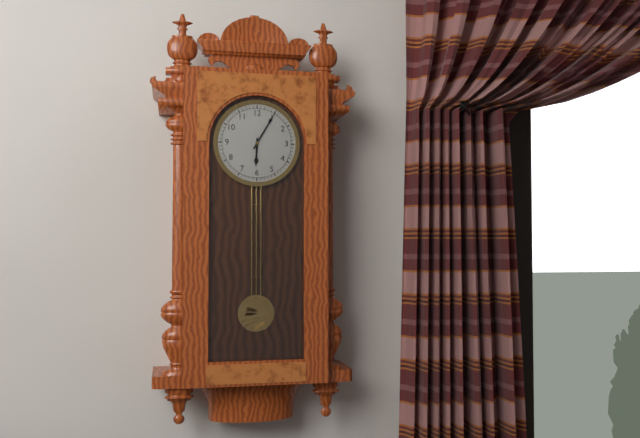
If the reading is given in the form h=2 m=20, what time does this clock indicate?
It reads h=6 m=5
